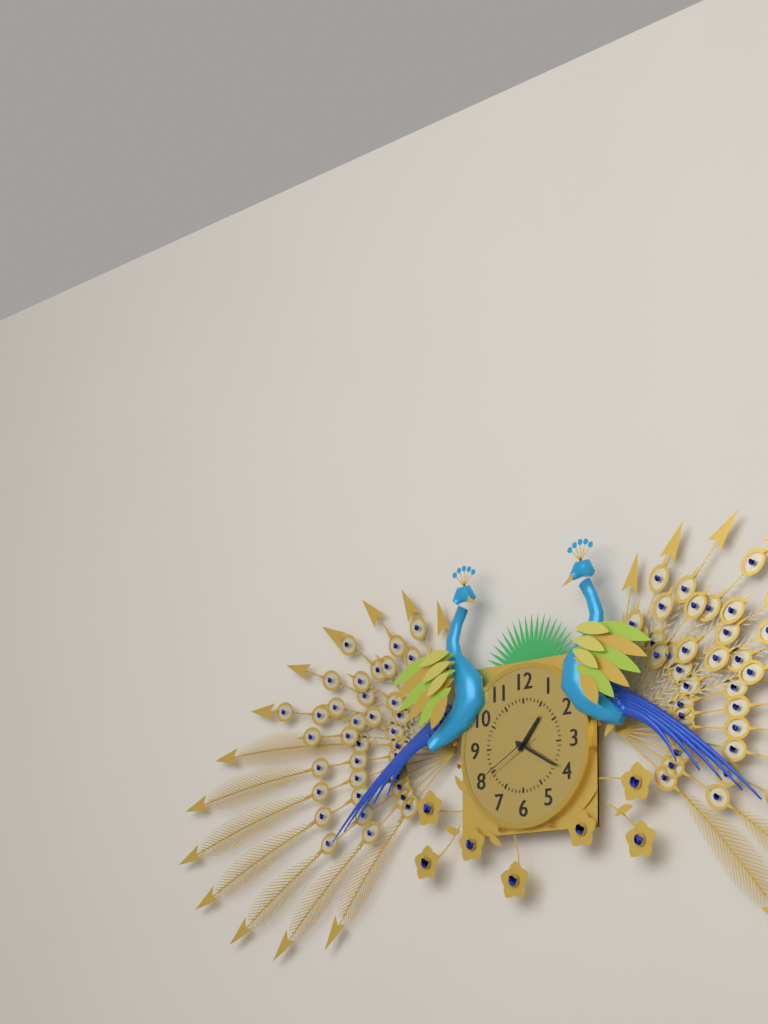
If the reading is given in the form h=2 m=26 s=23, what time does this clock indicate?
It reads h=1 m=20 s=40
